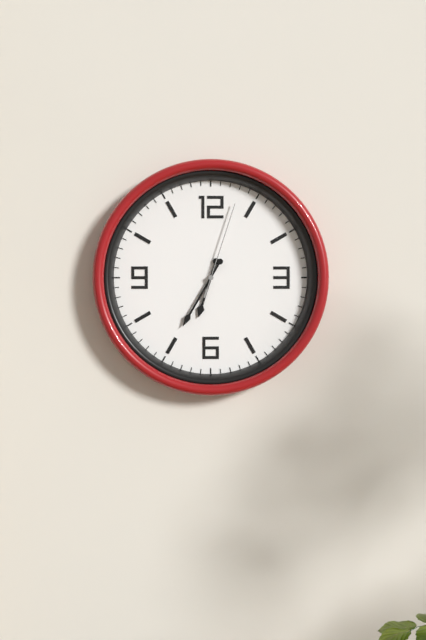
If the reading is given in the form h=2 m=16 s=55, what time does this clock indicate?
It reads h=6 m=35 s=3
